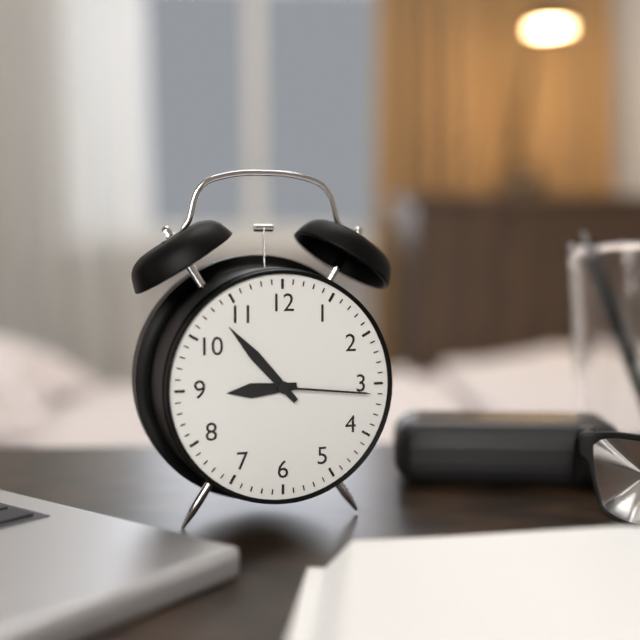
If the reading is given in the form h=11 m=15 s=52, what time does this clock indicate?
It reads h=8 m=53 s=16
